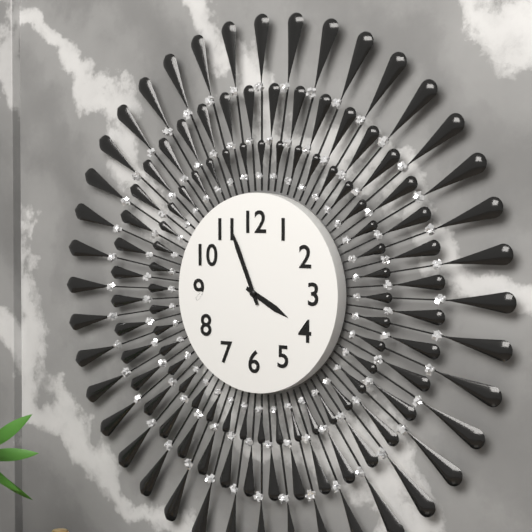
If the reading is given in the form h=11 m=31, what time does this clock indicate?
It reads h=3 m=56
